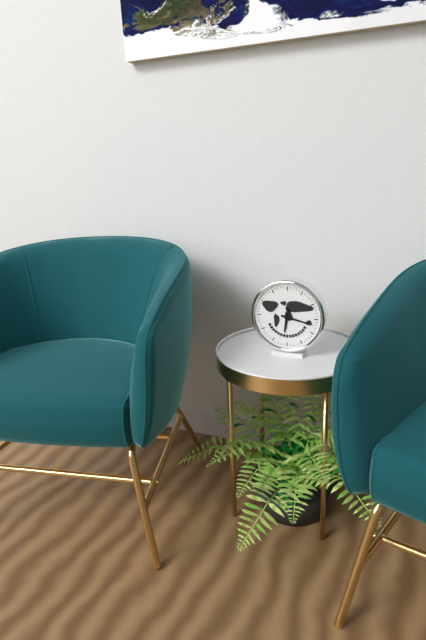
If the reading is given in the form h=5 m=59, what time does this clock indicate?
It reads h=6 m=17
